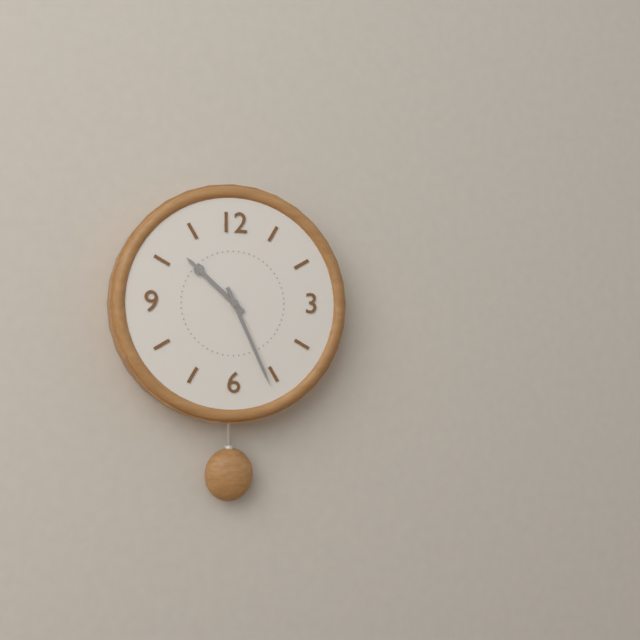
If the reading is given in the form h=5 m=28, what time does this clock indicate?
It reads h=10 m=26
